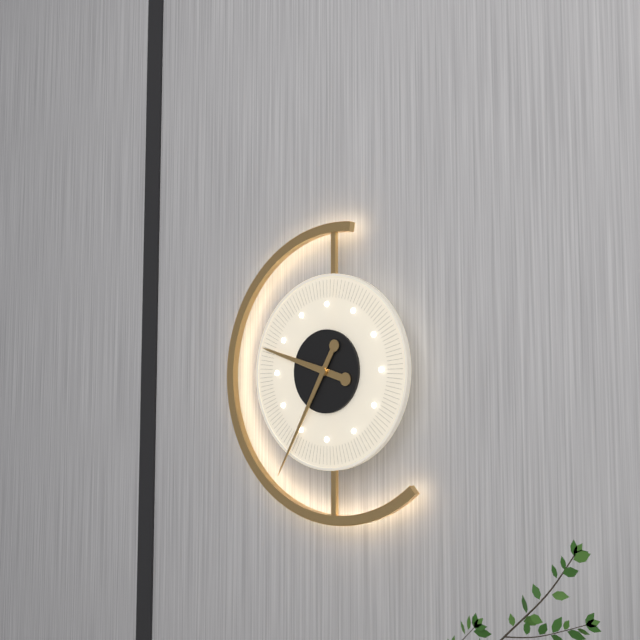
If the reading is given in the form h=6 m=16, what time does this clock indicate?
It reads h=9 m=35
